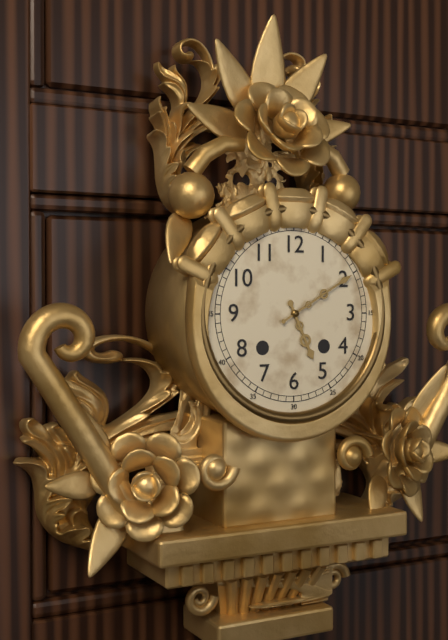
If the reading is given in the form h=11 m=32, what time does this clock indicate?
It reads h=5 m=10
